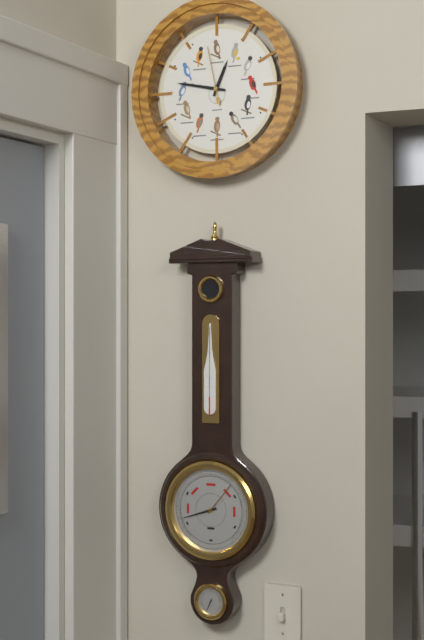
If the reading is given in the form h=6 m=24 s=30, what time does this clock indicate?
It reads h=12 m=47 s=58
